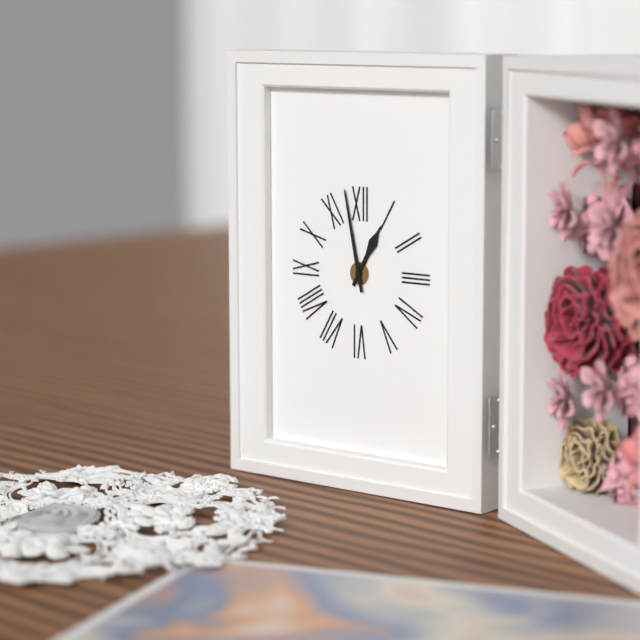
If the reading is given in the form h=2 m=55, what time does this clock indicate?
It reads h=12 m=58
